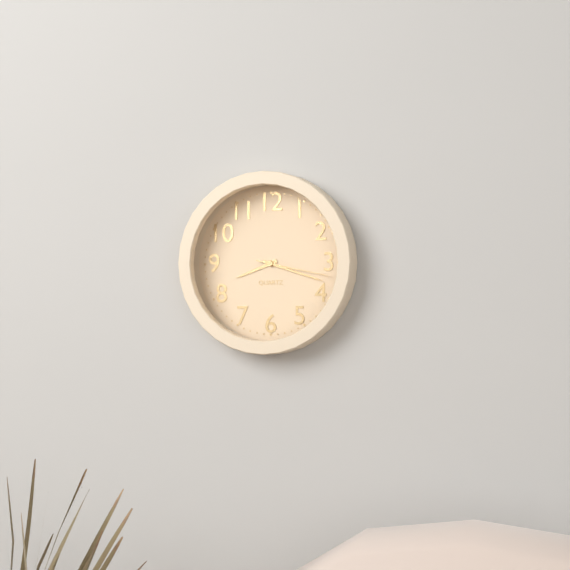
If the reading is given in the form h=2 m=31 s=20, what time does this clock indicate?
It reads h=8 m=18 s=17
